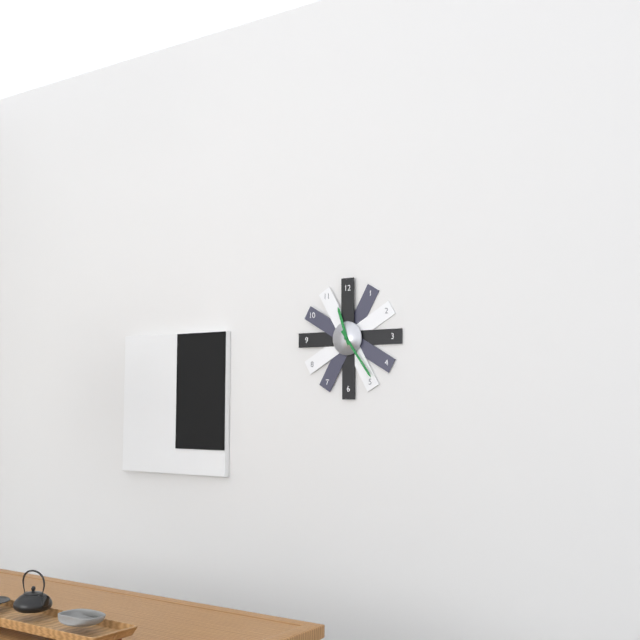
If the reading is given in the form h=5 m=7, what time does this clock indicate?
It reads h=11 m=24
